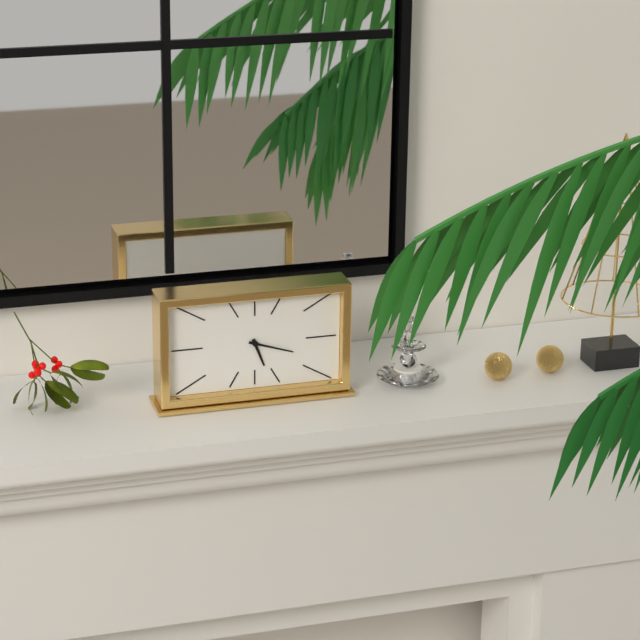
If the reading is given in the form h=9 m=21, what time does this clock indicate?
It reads h=5 m=18
